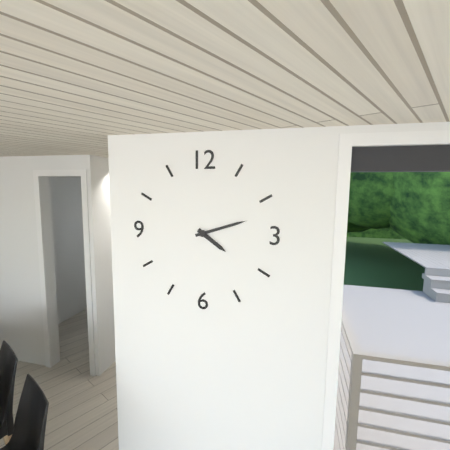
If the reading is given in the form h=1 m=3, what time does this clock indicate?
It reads h=4 m=12
